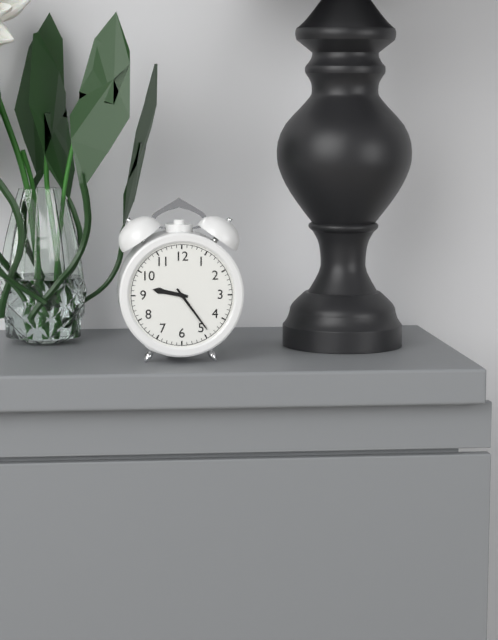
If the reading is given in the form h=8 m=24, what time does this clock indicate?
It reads h=9 m=24
